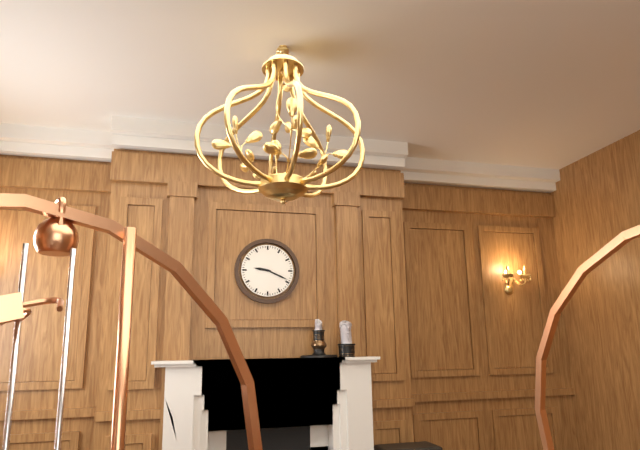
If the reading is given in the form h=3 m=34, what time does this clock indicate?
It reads h=9 m=19
